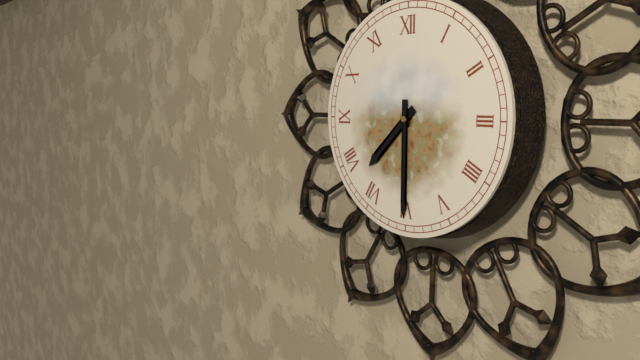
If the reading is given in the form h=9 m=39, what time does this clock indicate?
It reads h=7 m=30
